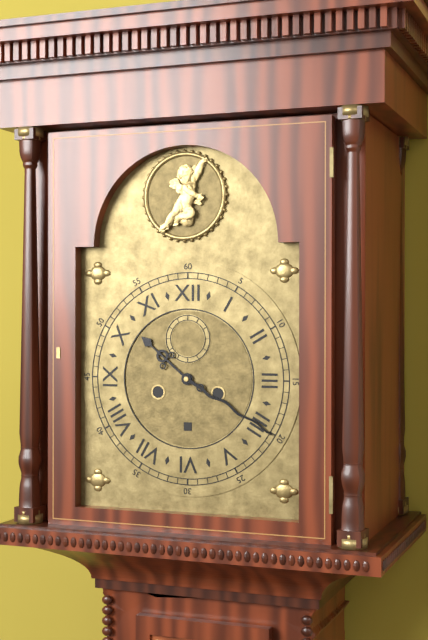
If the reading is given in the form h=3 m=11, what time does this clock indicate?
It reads h=10 m=20
